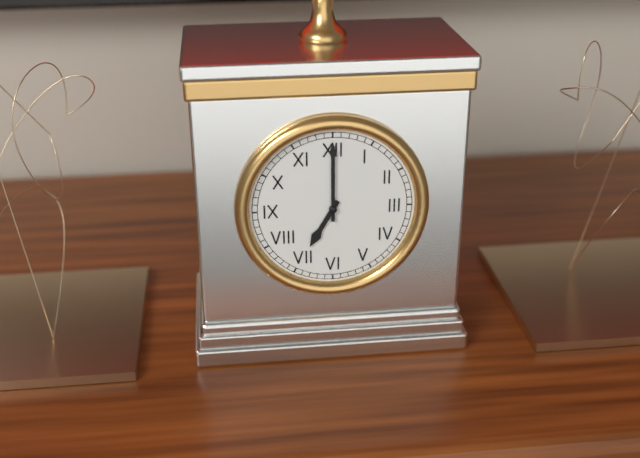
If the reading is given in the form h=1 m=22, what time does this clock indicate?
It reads h=7 m=0
